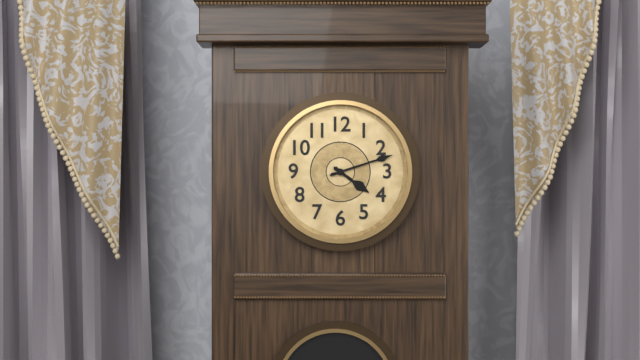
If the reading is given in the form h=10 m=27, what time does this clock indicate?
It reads h=4 m=12
